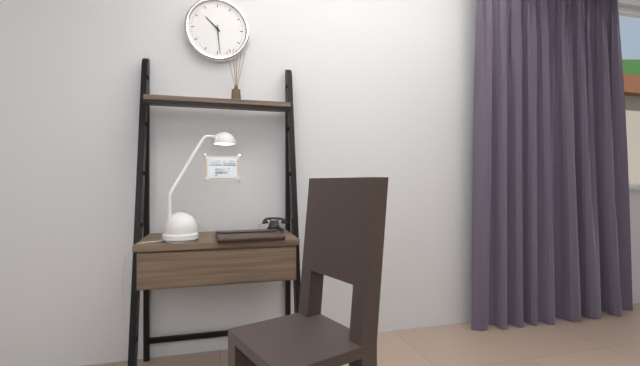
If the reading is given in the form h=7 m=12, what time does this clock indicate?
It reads h=10 m=29
